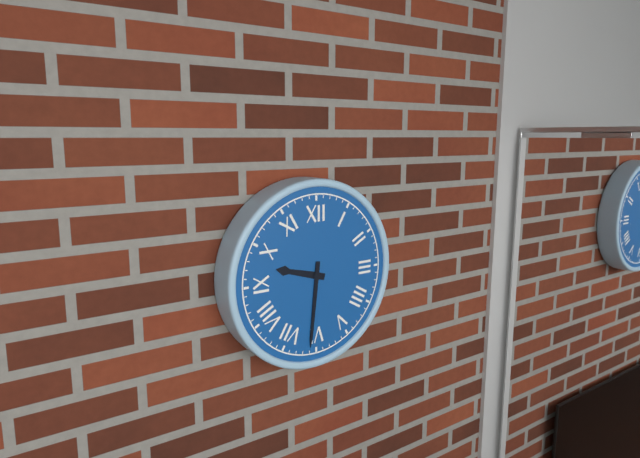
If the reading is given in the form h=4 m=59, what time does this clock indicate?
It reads h=9 m=31
